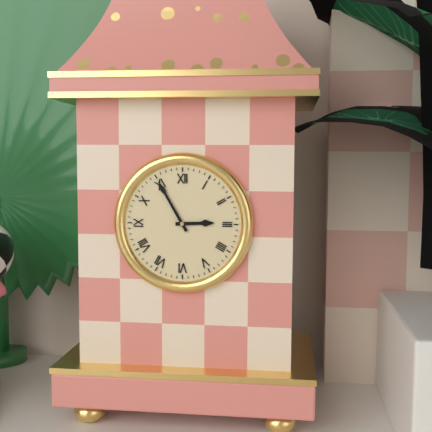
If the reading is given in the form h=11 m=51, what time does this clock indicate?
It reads h=2 m=55
